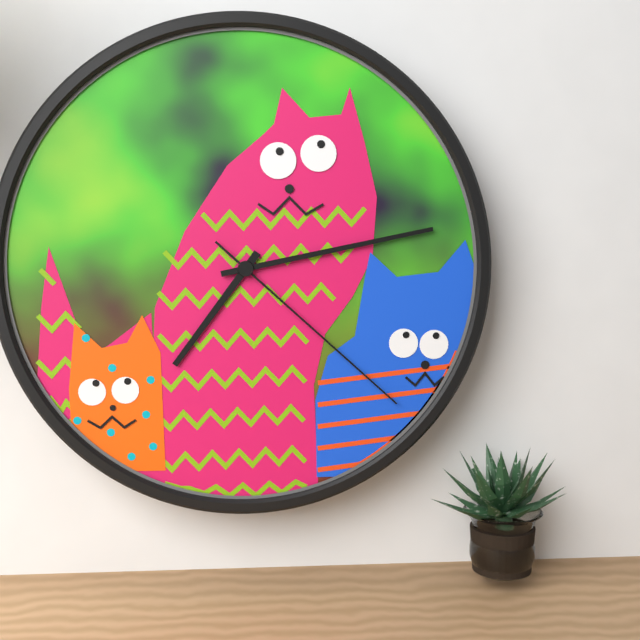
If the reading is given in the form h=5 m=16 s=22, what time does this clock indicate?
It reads h=7 m=13 s=22
